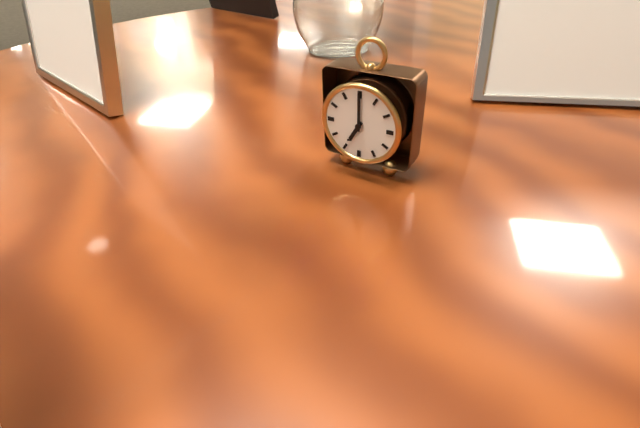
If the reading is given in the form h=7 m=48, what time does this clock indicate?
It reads h=7 m=0
